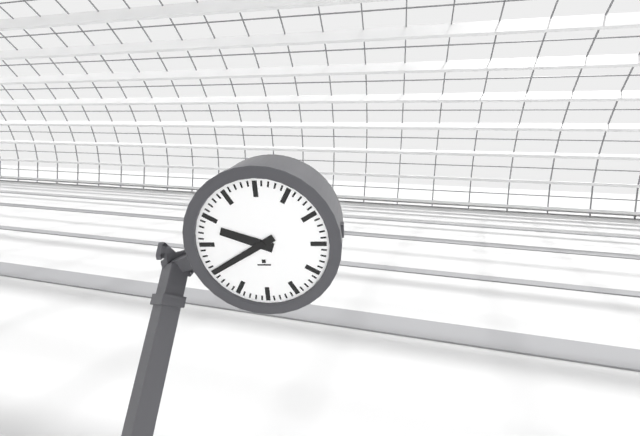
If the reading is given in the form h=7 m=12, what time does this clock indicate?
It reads h=9 m=40
